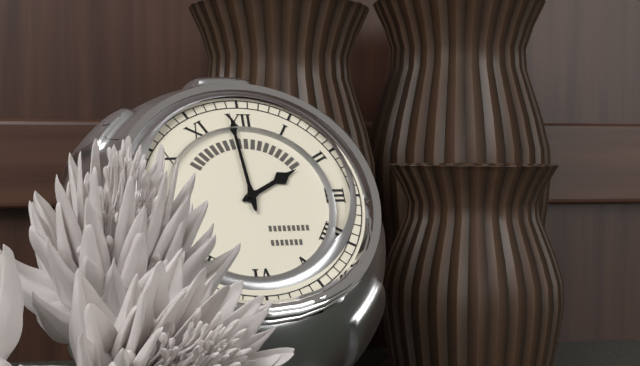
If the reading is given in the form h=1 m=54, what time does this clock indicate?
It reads h=1 m=59
